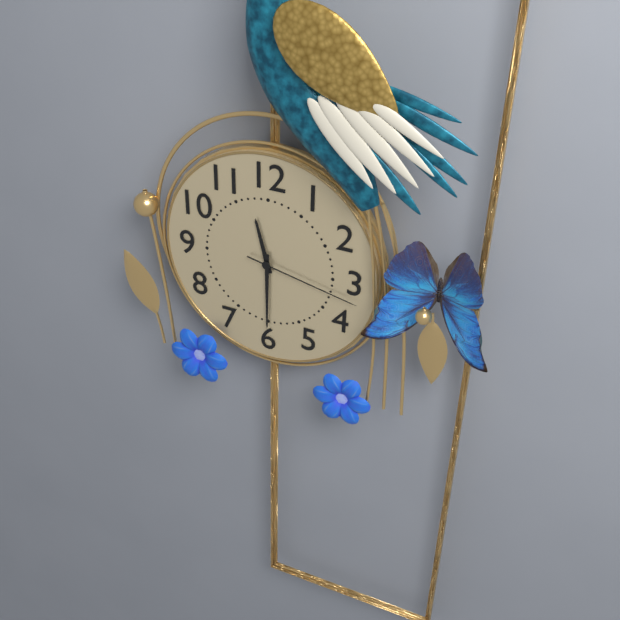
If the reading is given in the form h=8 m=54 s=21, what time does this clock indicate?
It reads h=11 m=30 s=17
